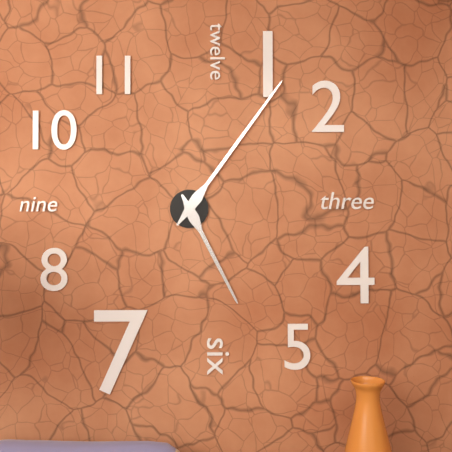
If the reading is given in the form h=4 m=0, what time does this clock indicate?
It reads h=5 m=6
